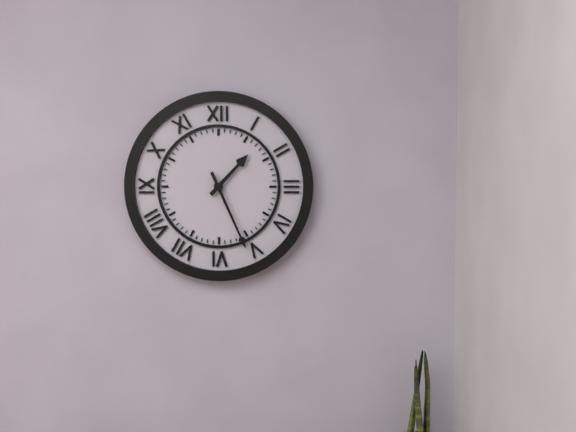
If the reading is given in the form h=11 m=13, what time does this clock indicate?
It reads h=1 m=26
